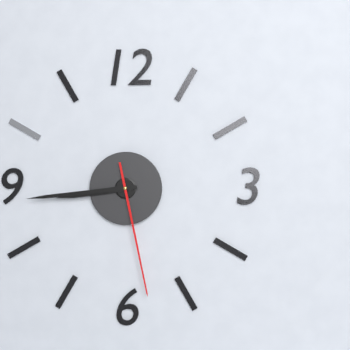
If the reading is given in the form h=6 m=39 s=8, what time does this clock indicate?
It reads h=8 m=44 s=28
